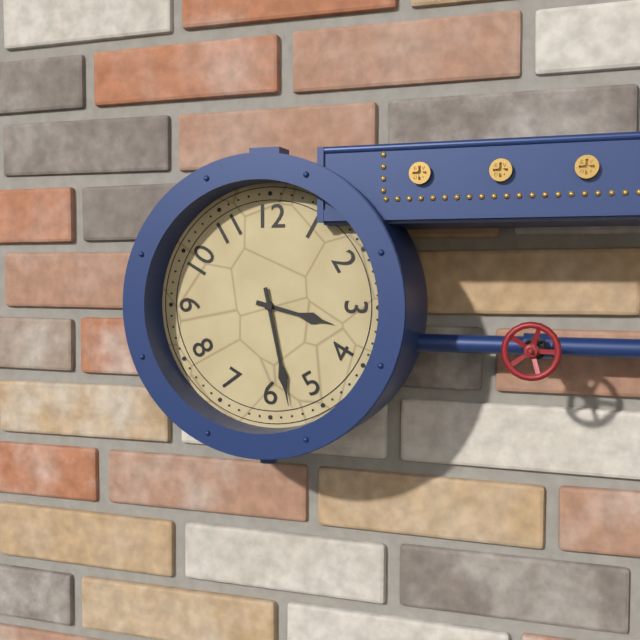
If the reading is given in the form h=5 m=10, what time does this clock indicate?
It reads h=3 m=28
